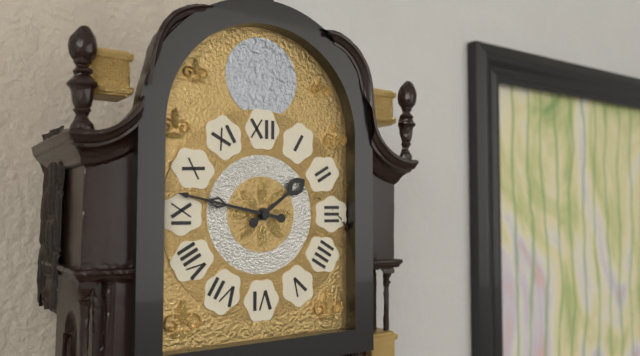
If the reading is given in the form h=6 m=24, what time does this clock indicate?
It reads h=1 m=47
